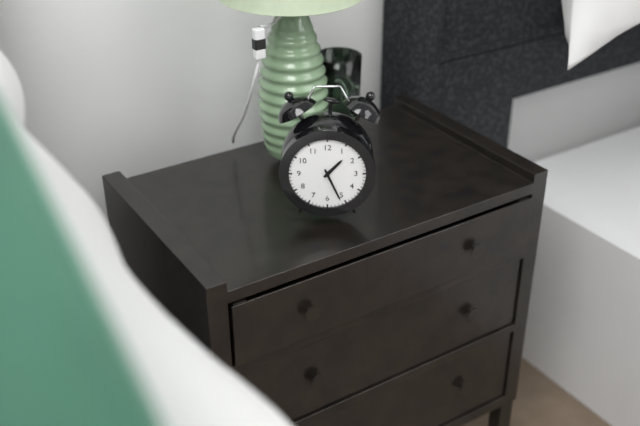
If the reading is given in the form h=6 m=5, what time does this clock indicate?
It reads h=1 m=26
